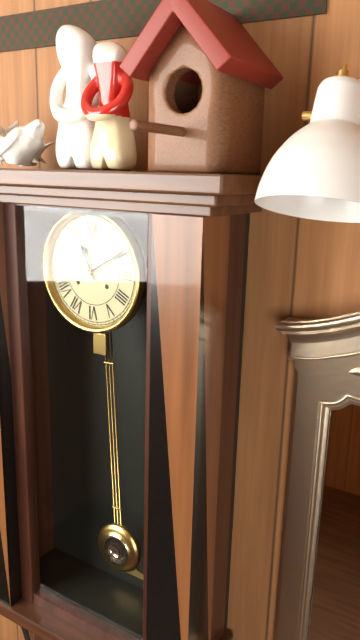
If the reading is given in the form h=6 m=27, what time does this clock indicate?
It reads h=11 m=10
